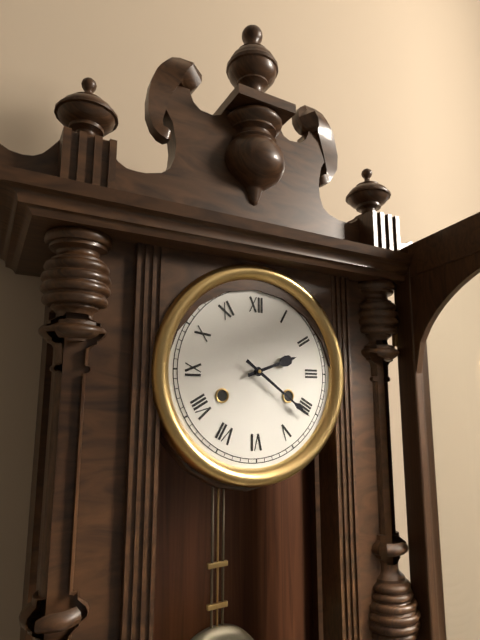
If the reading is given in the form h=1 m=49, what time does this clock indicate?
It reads h=2 m=21
